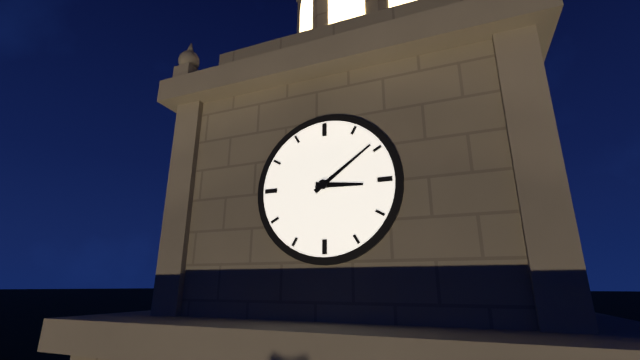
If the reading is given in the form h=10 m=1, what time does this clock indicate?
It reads h=3 m=9
